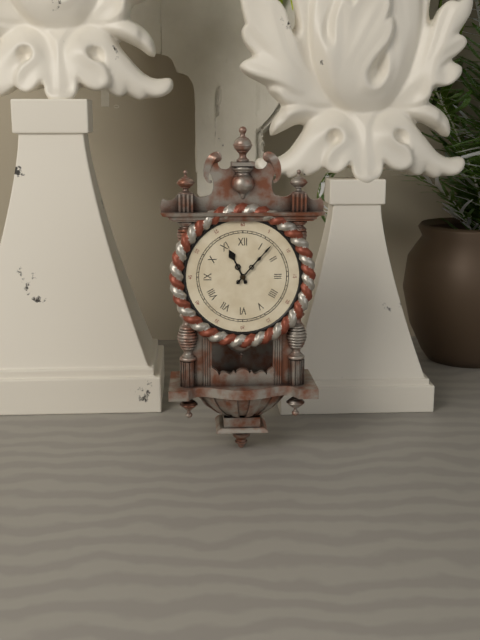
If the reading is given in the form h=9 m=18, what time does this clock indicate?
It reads h=11 m=7
